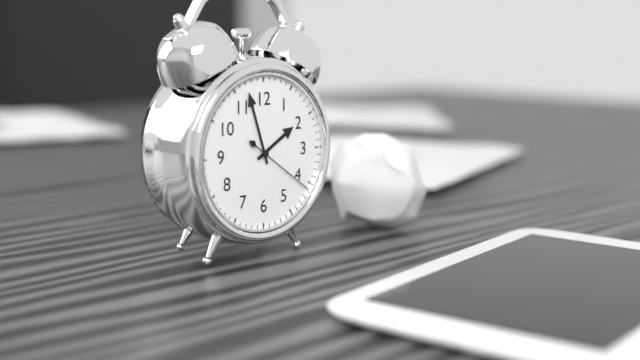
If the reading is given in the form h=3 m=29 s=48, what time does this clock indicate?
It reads h=1 m=57 s=21
